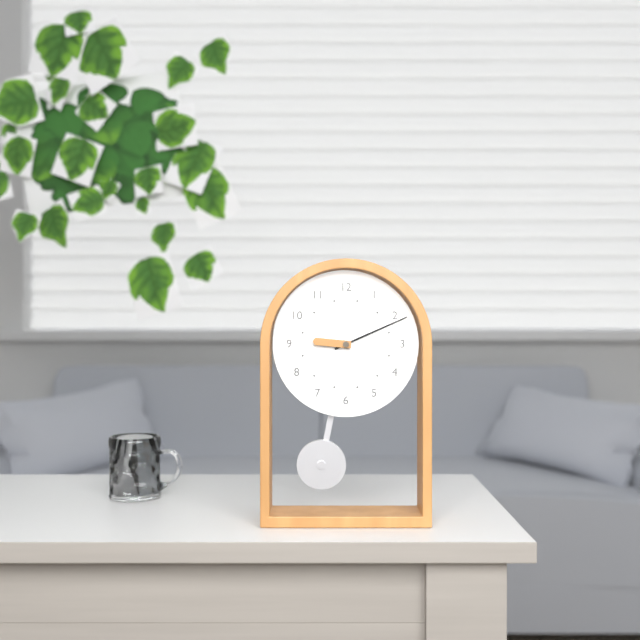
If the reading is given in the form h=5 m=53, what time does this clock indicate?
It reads h=9 m=11
